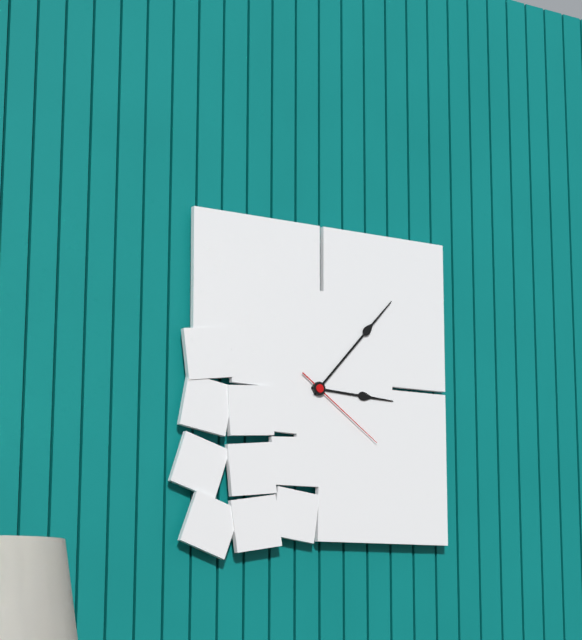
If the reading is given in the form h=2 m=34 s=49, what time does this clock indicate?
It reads h=3 m=7 s=21
